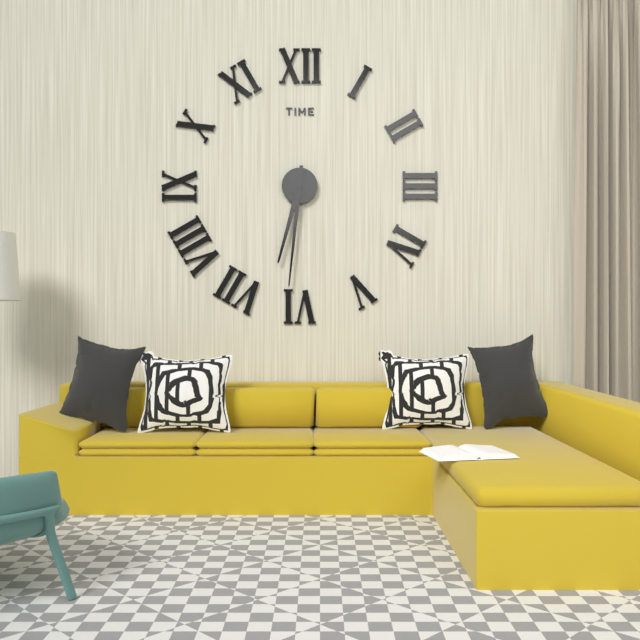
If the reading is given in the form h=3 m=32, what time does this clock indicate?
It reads h=6 m=31
